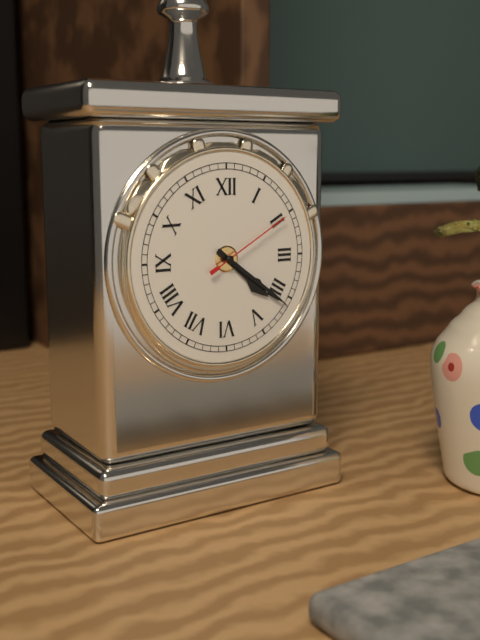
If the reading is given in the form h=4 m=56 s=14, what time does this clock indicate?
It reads h=4 m=21 s=10
